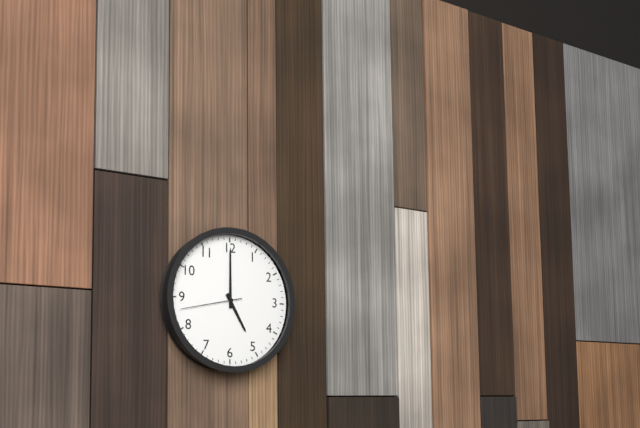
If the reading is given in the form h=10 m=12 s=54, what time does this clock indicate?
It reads h=5 m=0 s=43
